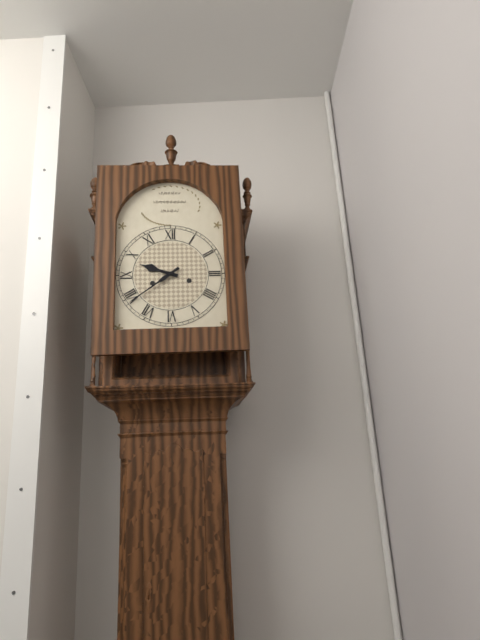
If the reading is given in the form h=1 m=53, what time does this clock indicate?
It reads h=9 m=39
